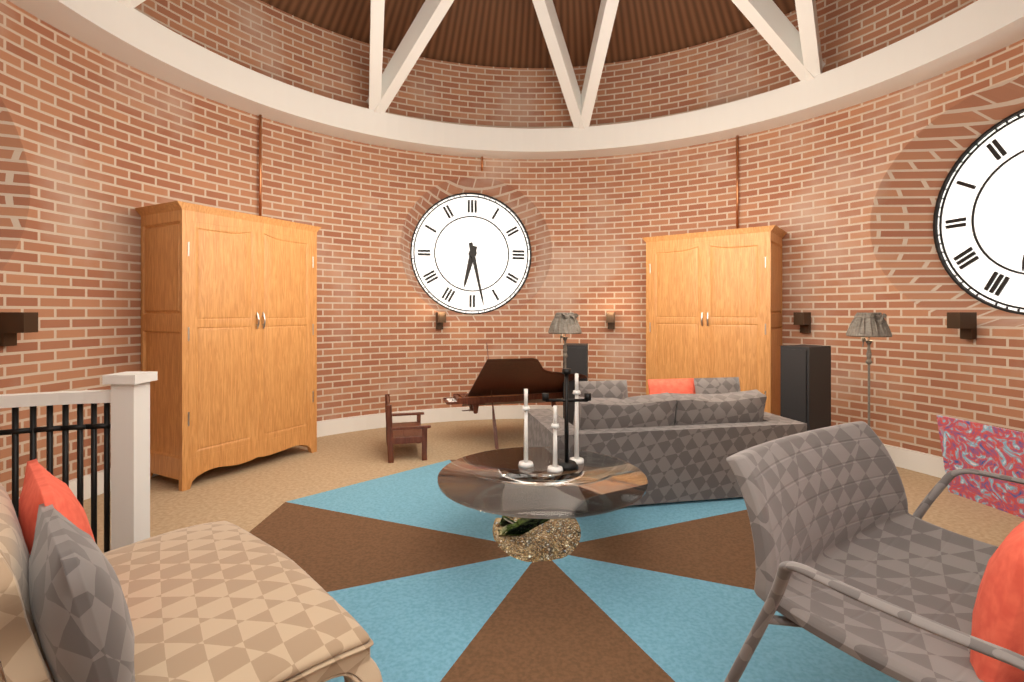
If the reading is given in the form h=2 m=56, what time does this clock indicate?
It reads h=6 m=28
